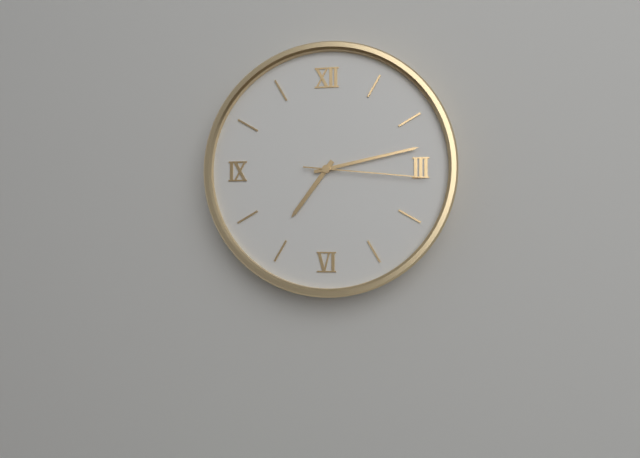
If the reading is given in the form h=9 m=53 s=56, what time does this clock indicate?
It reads h=7 m=13 s=16
